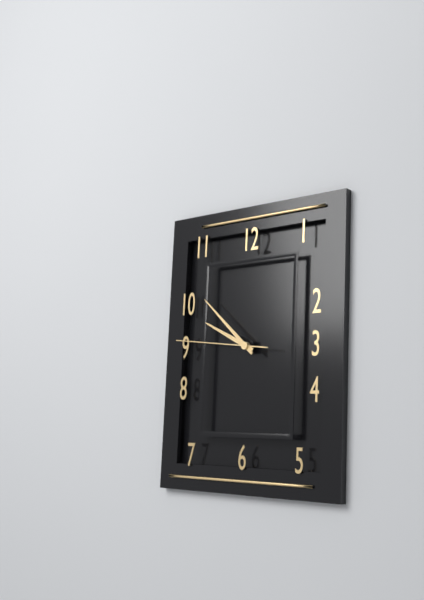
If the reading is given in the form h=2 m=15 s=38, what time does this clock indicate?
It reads h=9 m=52 s=46
